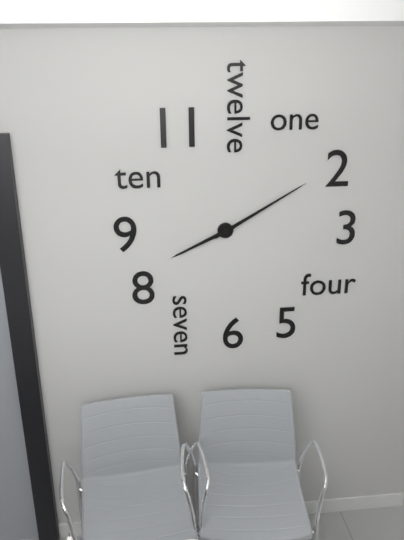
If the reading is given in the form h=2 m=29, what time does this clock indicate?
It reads h=8 m=10
